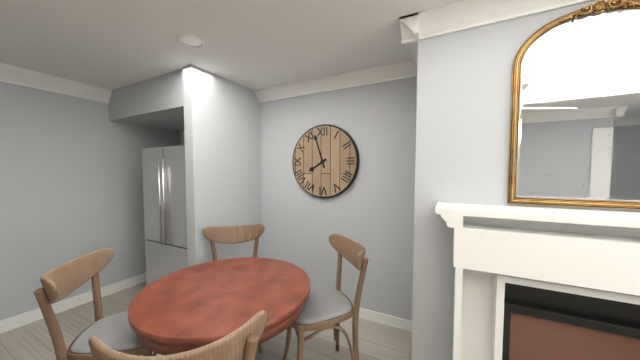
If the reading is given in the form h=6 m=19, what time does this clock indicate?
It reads h=7 m=57
